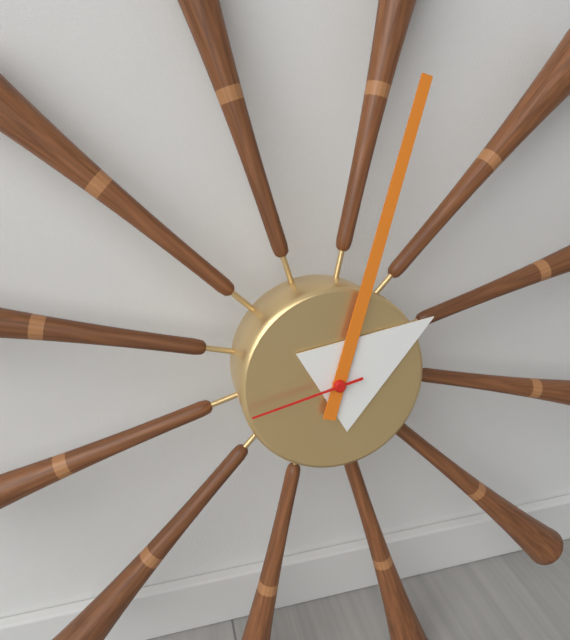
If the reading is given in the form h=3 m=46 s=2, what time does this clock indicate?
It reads h=2 m=3 s=43
